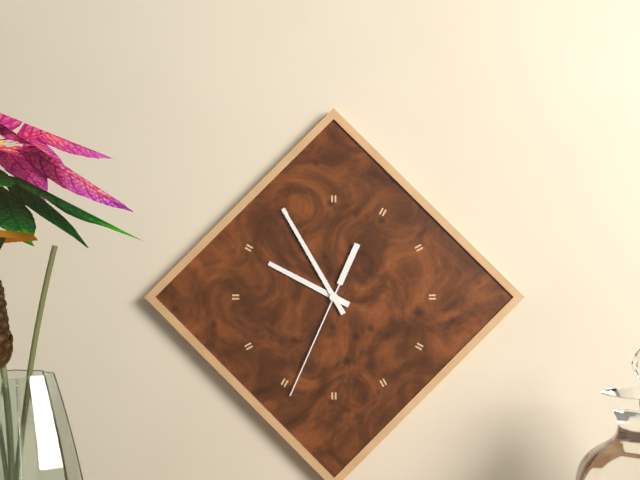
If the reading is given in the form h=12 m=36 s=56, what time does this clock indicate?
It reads h=9 m=55 s=34
